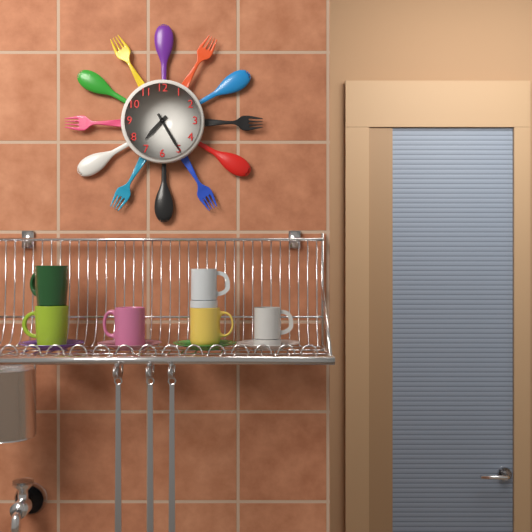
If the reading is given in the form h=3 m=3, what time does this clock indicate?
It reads h=7 m=25
